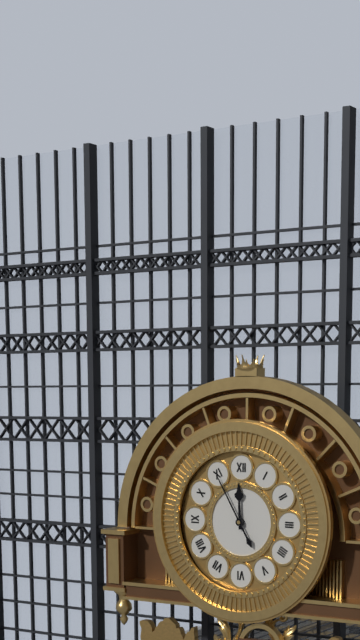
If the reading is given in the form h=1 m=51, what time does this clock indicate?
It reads h=11 m=55
